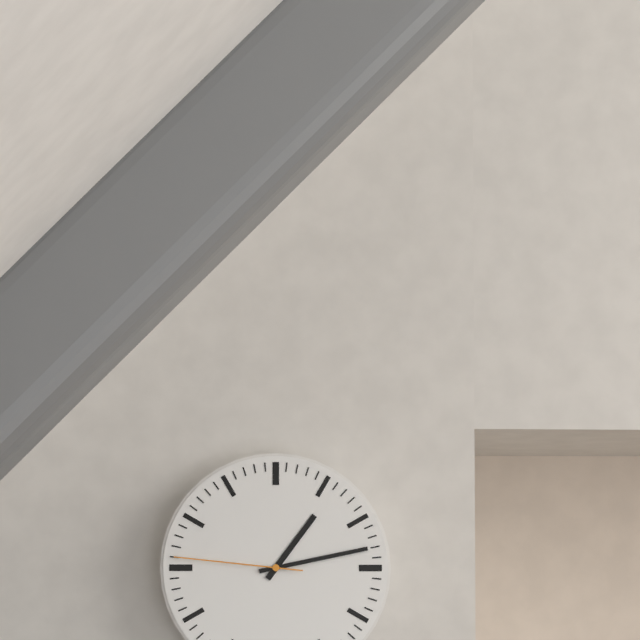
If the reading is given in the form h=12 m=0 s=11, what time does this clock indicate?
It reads h=1 m=13 s=46
